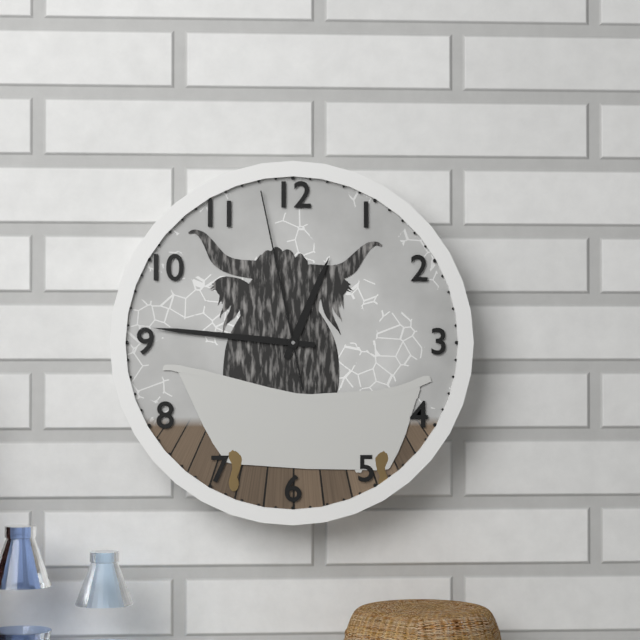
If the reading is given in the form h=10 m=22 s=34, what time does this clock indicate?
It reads h=12 m=46 s=58
